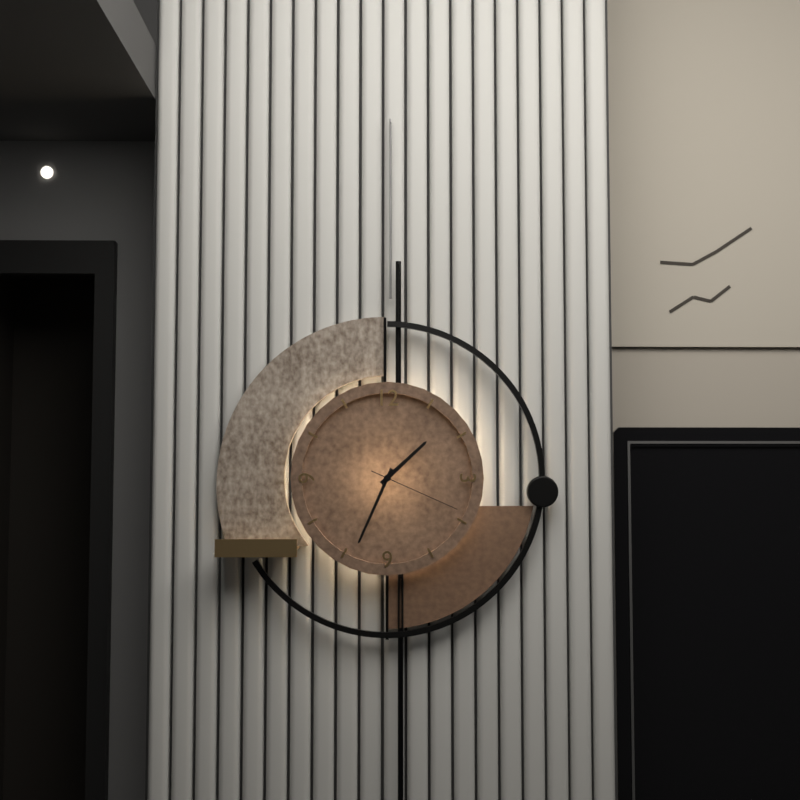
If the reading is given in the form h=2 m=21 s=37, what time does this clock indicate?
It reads h=1 m=34 s=19
